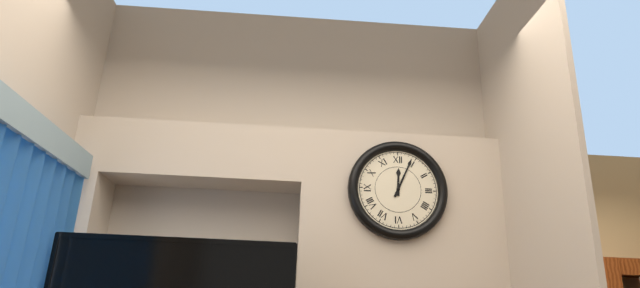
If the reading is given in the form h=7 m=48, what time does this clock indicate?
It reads h=12 m=4
